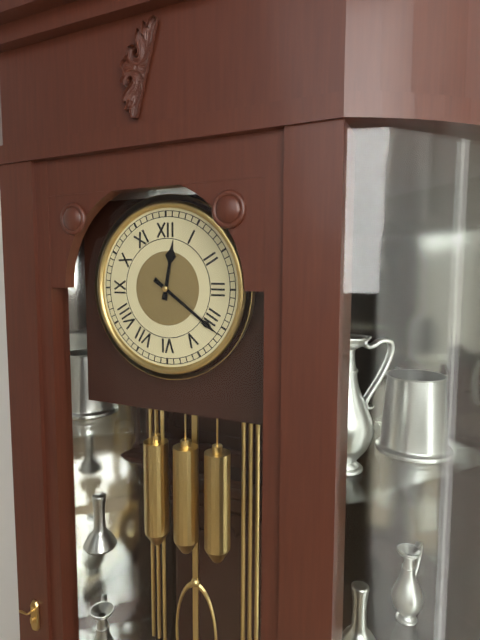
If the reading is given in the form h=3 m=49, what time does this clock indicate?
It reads h=12 m=21
